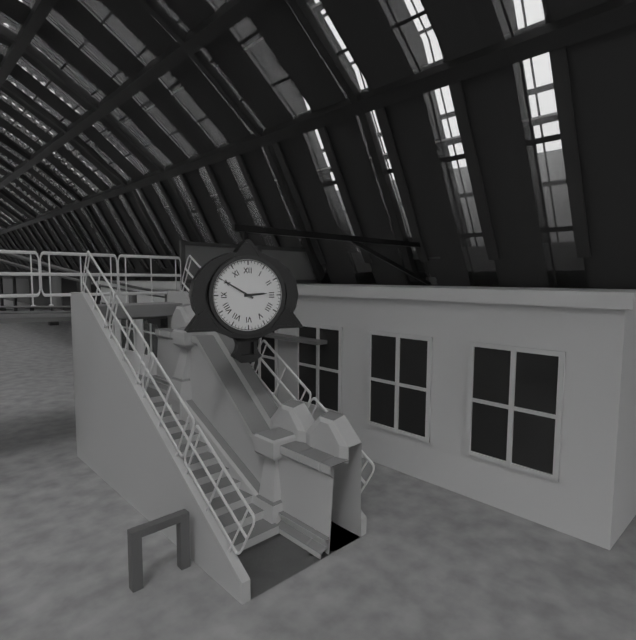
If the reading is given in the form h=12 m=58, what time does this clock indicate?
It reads h=2 m=50
